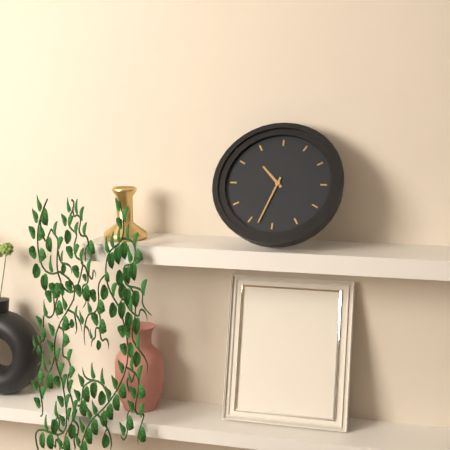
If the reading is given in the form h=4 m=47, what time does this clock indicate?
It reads h=10 m=33
